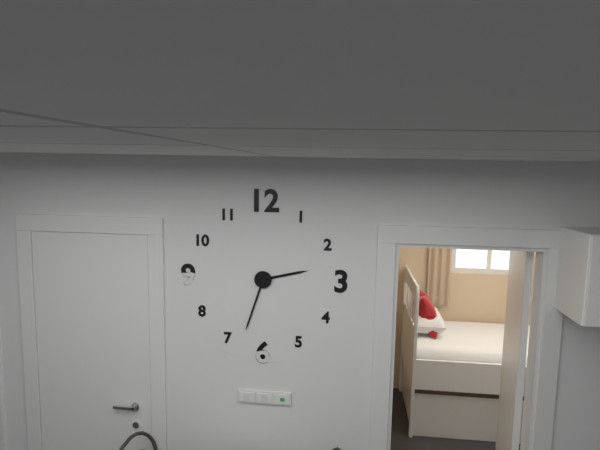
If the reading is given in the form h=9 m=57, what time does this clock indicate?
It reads h=2 m=33
